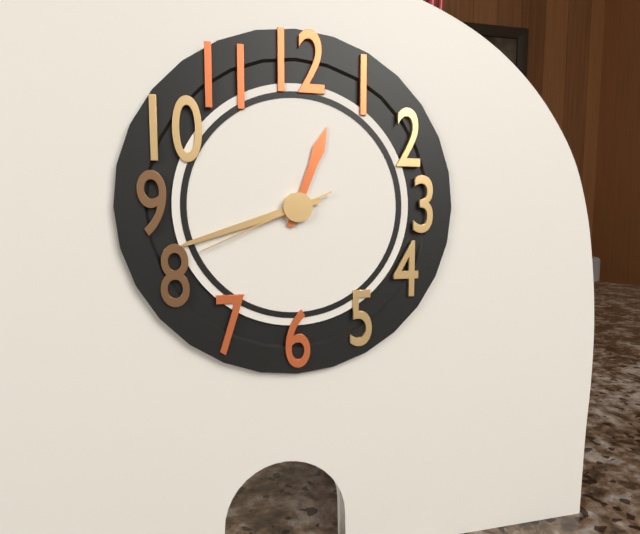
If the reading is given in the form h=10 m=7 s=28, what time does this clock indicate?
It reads h=12 m=42 s=41
